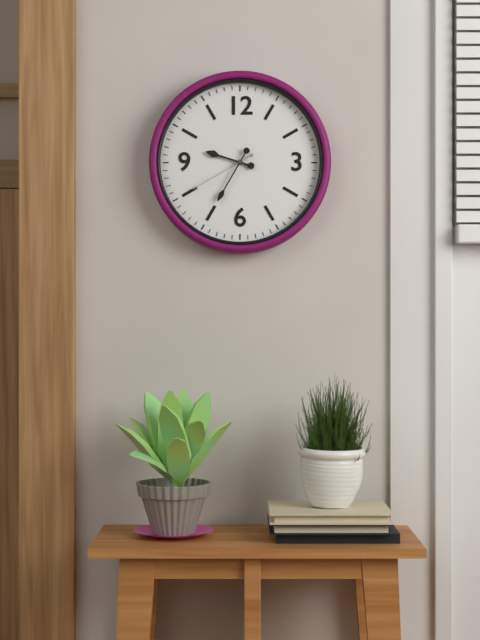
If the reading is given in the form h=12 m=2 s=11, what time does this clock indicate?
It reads h=9 m=35 s=40
